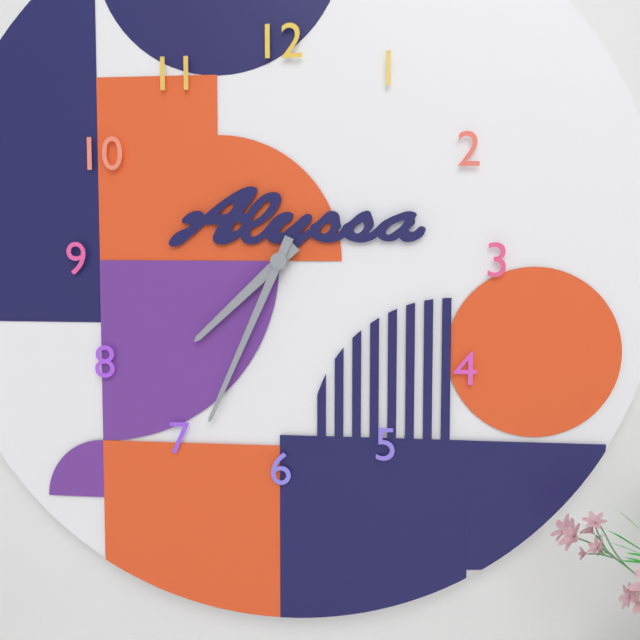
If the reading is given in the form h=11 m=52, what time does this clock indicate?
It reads h=7 m=34
